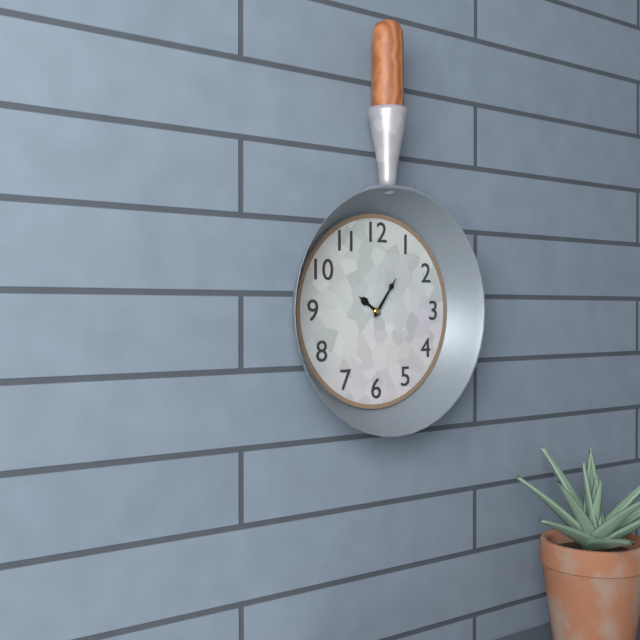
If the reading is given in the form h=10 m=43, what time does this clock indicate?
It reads h=10 m=6
